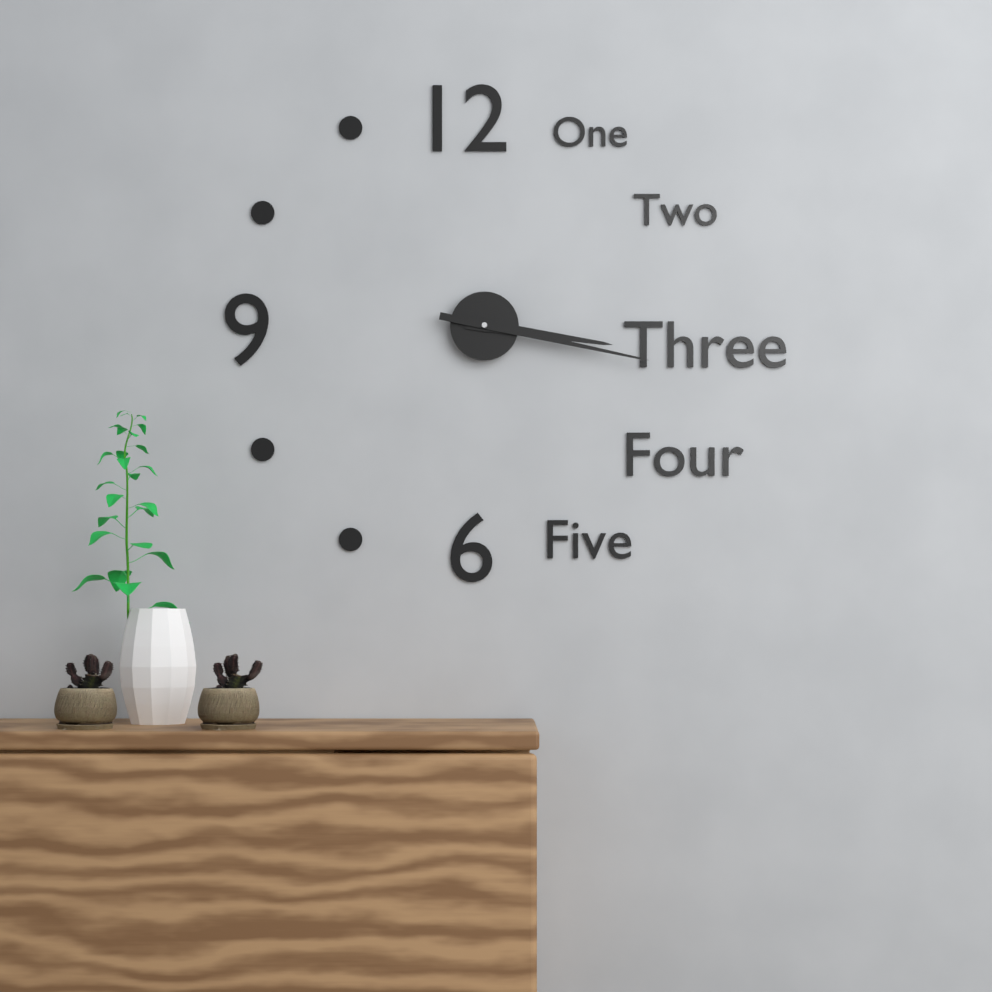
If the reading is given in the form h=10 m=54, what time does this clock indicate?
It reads h=3 m=17
